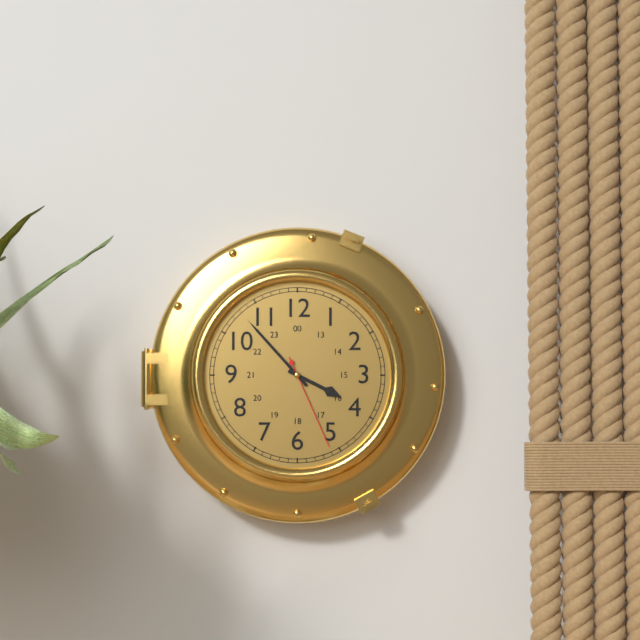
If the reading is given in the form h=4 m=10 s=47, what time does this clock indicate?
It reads h=3 m=53 s=26
